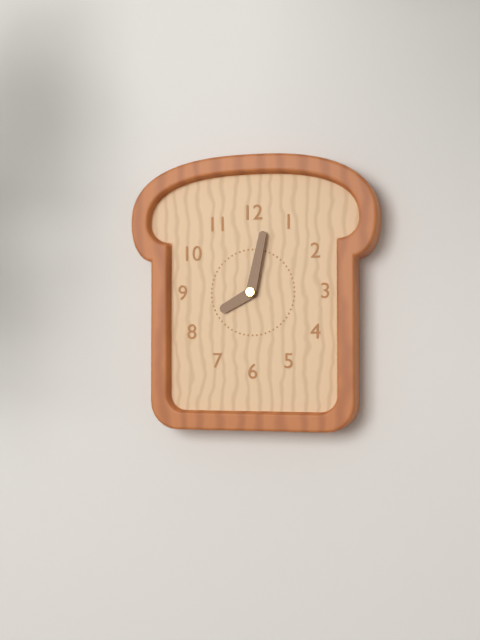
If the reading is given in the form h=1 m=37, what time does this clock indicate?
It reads h=8 m=2
